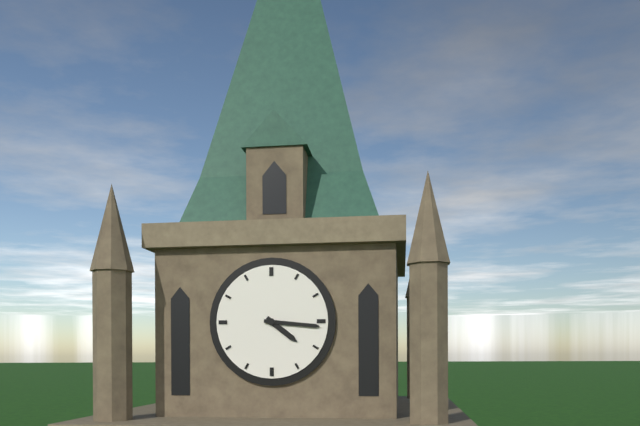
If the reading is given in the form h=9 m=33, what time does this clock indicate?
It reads h=4 m=16
